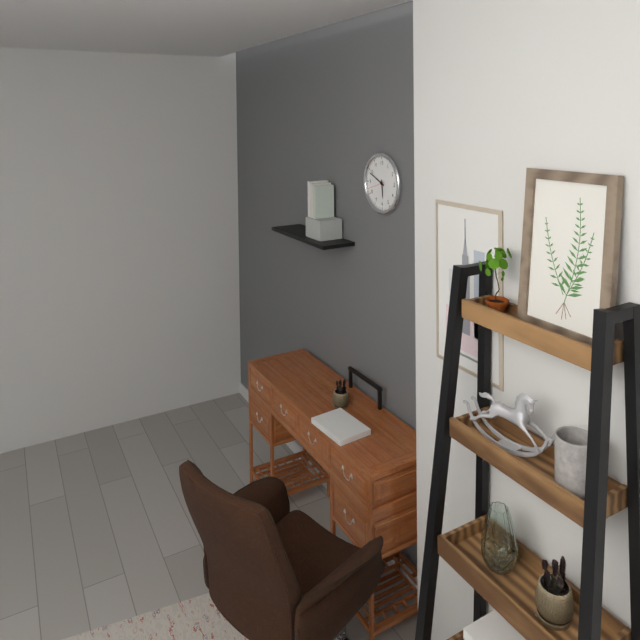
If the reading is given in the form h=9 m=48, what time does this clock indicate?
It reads h=5 m=49
